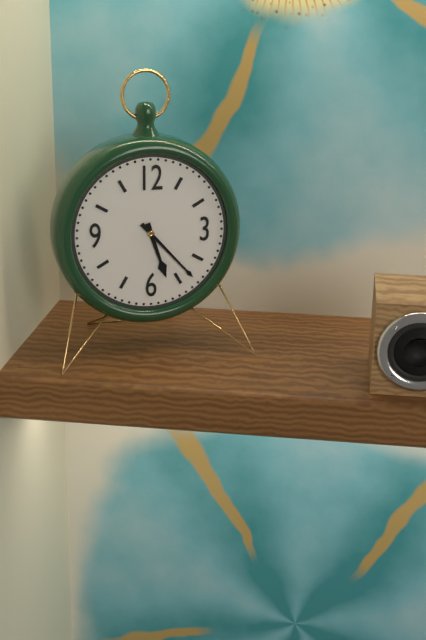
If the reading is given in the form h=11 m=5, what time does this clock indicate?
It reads h=5 m=23
